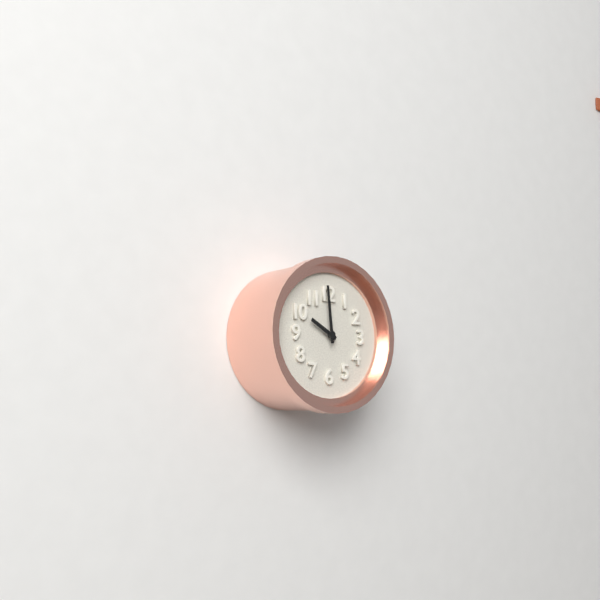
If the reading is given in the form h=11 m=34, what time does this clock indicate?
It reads h=9 m=59
